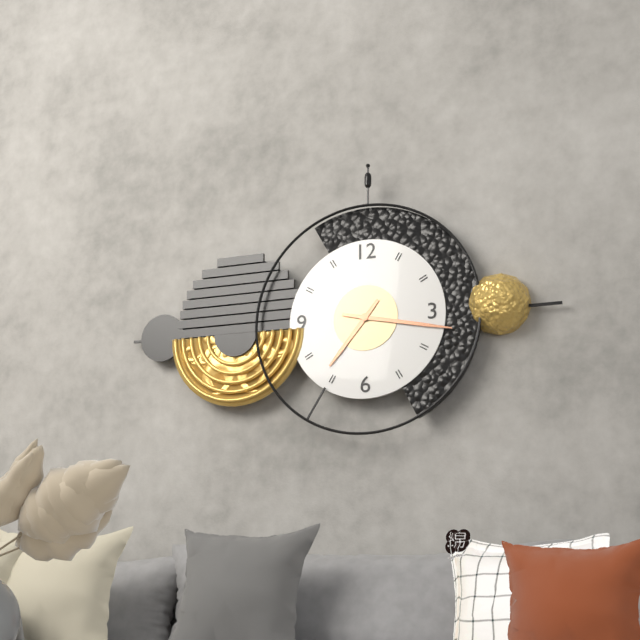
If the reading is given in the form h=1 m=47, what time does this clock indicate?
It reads h=7 m=17
